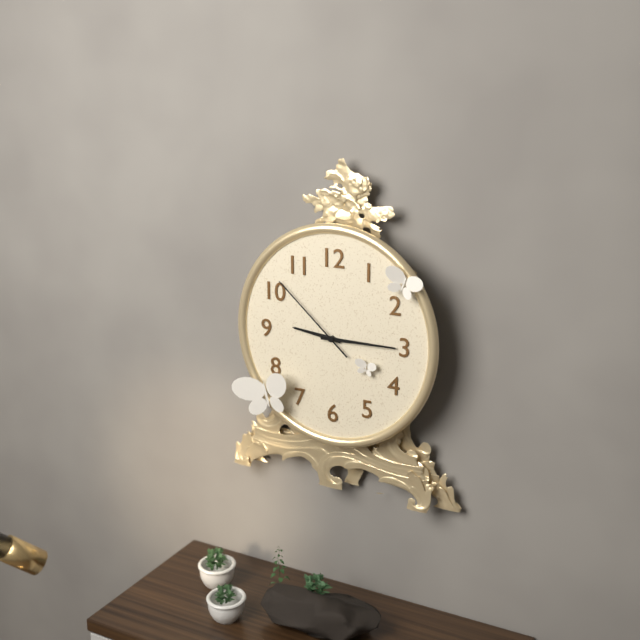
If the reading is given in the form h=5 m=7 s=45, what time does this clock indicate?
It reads h=9 m=15 s=52
